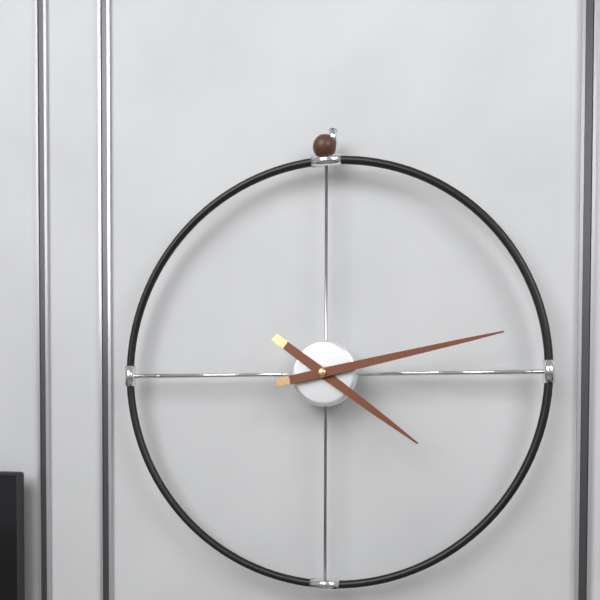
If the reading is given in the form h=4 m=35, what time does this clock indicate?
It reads h=4 m=13
